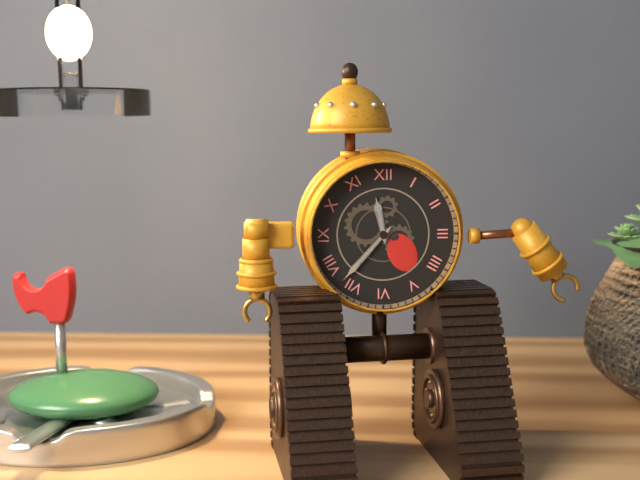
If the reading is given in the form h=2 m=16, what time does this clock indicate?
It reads h=11 m=37
